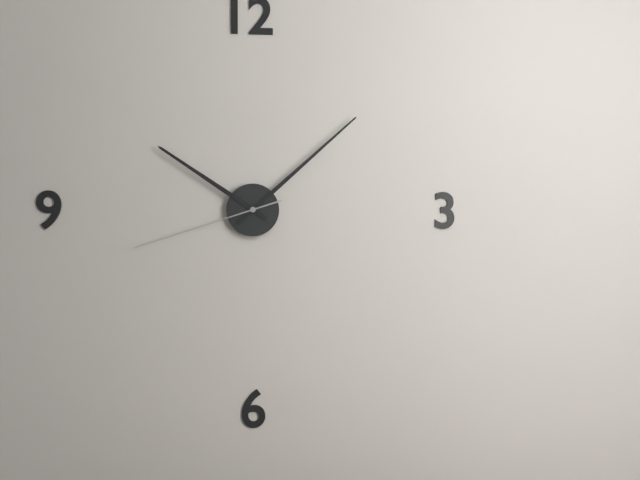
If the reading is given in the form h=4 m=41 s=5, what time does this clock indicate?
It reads h=10 m=8 s=42
